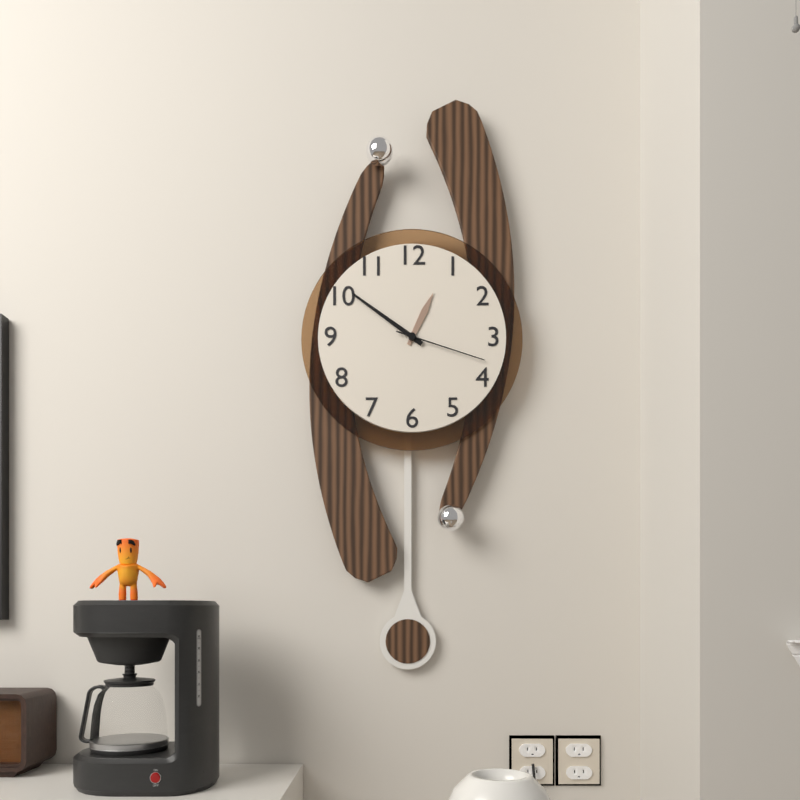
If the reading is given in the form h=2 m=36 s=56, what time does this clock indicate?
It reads h=12 m=51 s=18
